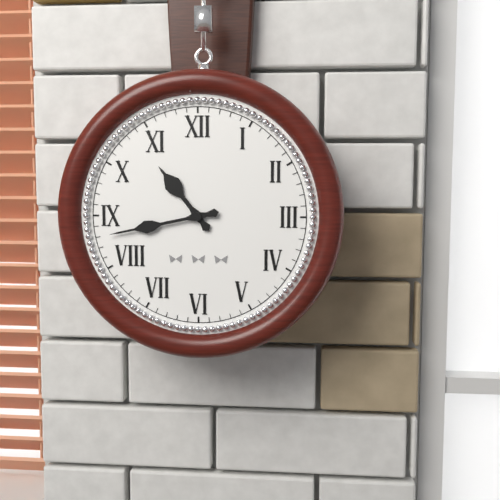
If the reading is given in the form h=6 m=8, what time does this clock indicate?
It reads h=10 m=43
